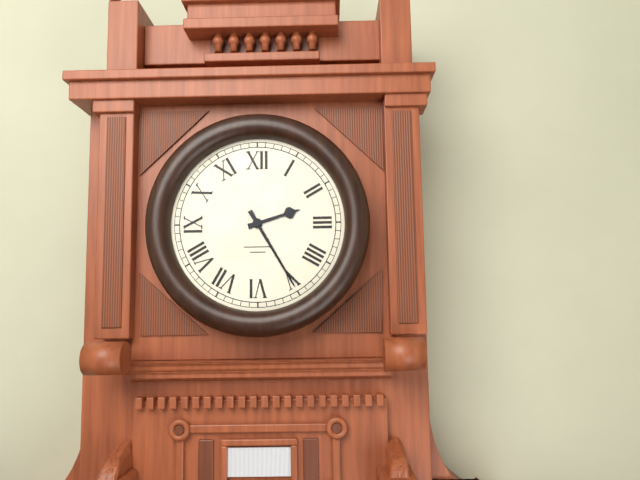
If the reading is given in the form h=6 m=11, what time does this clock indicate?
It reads h=2 m=25
